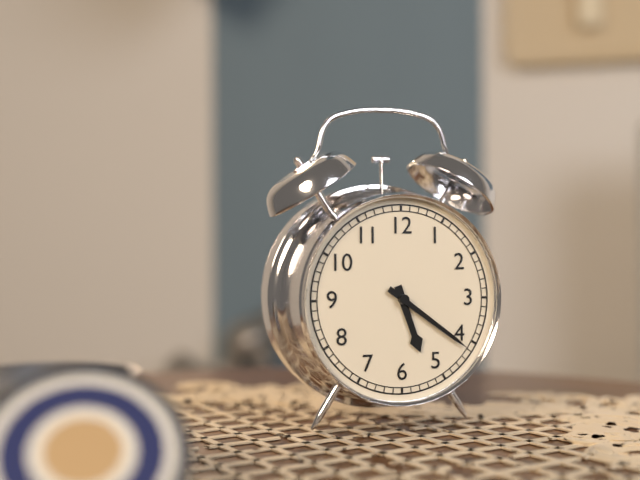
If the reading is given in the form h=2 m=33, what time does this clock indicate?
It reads h=5 m=21
